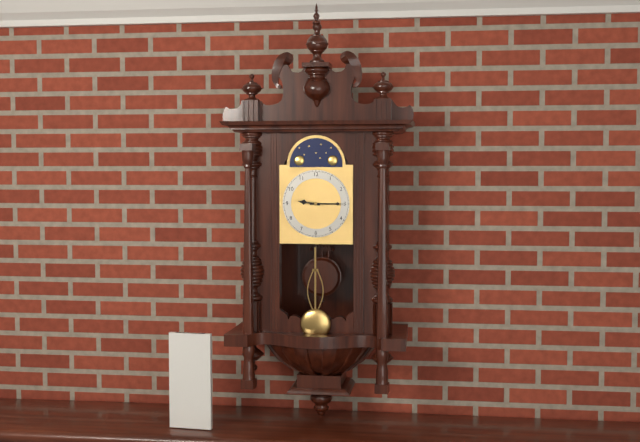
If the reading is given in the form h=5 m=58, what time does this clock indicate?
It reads h=9 m=15
